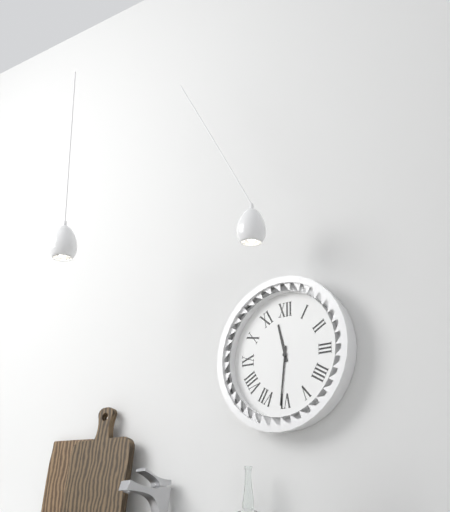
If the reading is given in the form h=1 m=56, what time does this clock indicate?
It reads h=11 m=31
